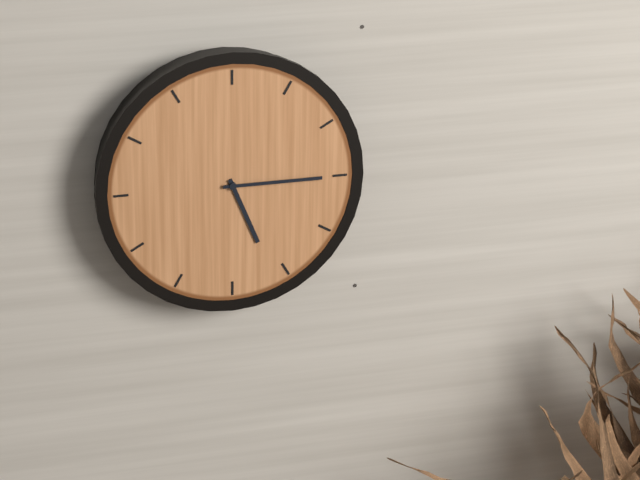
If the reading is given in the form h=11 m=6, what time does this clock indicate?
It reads h=5 m=15
